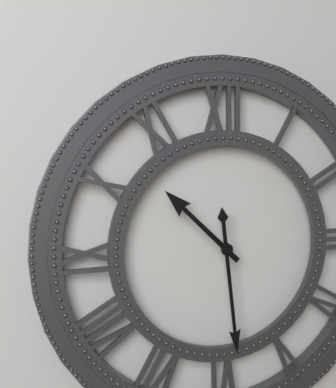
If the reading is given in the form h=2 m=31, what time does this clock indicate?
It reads h=10 m=29
